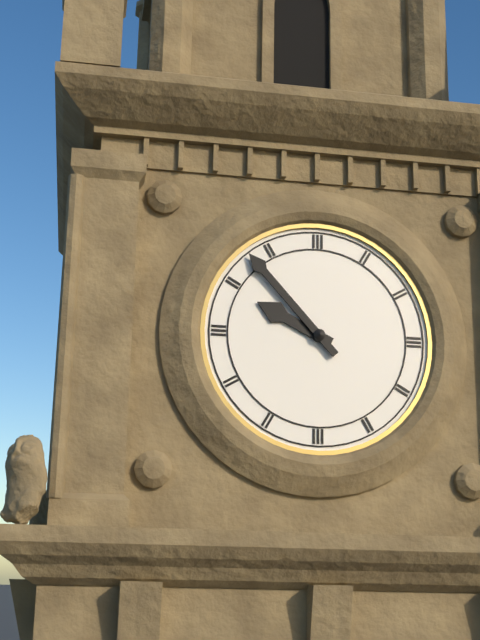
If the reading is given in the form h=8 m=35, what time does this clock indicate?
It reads h=9 m=53
